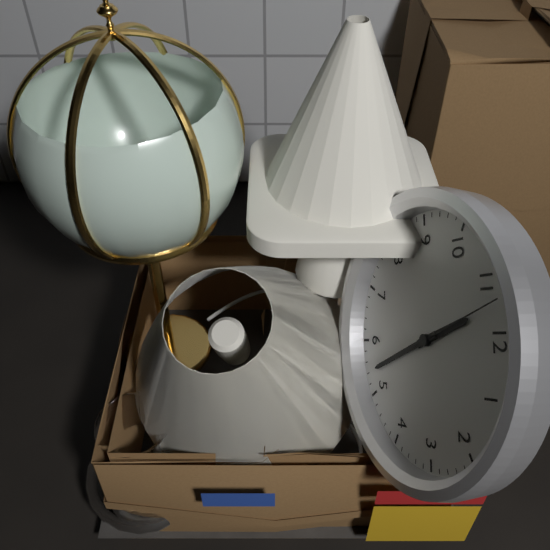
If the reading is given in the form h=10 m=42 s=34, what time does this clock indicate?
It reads h=11 m=27 s=57
